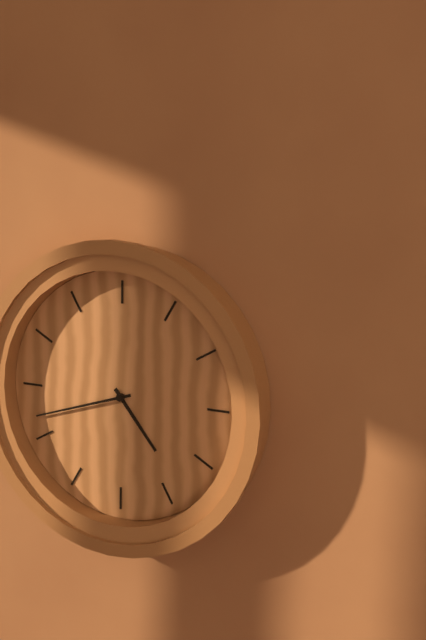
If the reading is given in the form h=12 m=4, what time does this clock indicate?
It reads h=4 m=42
